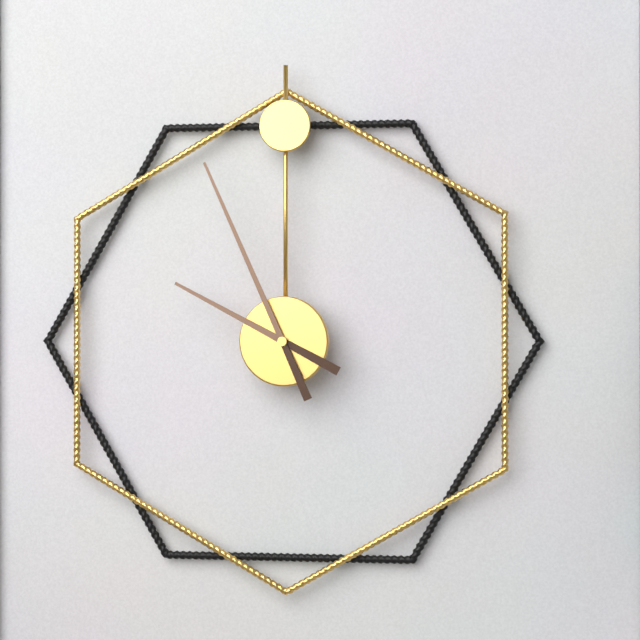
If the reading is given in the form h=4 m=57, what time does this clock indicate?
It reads h=9 m=56
